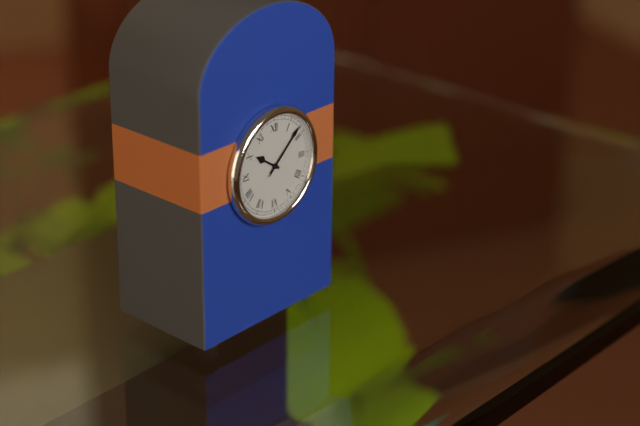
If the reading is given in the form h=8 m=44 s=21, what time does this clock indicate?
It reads h=10 m=8 s=8
